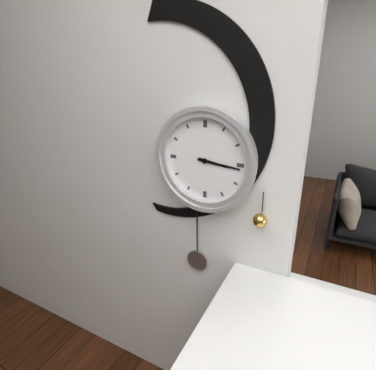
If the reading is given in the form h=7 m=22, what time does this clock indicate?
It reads h=3 m=16
